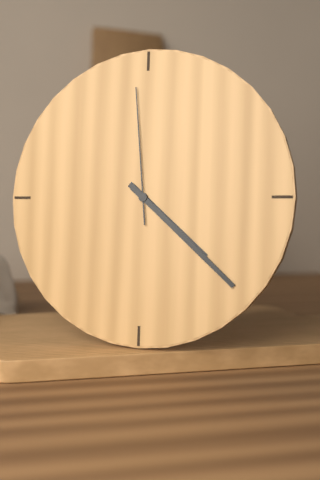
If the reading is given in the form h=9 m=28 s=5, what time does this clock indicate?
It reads h=4 m=22 s=59
